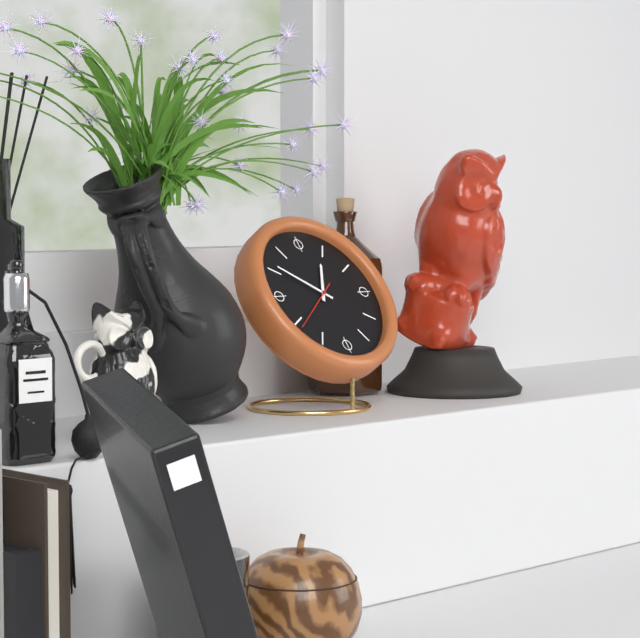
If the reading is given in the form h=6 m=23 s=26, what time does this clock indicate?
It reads h=12 m=51 s=39
